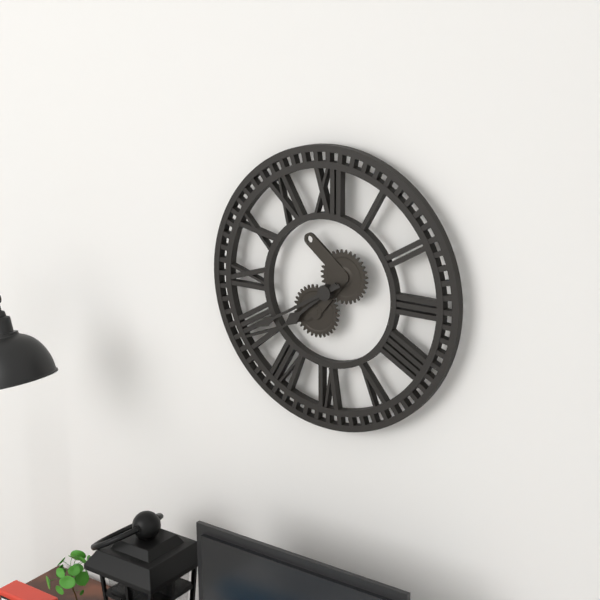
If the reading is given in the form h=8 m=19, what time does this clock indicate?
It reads h=7 m=40
